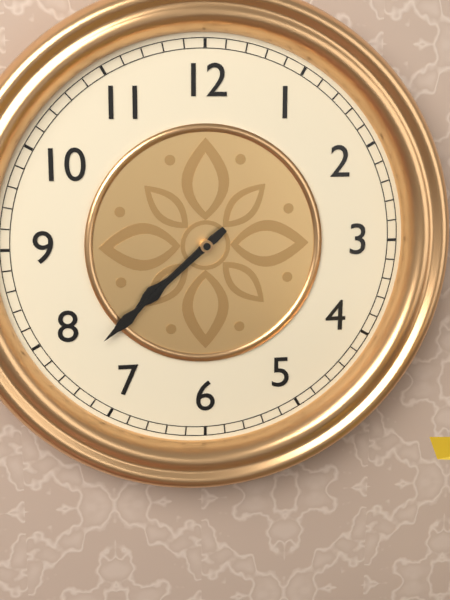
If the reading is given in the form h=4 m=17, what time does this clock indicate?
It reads h=7 m=38
